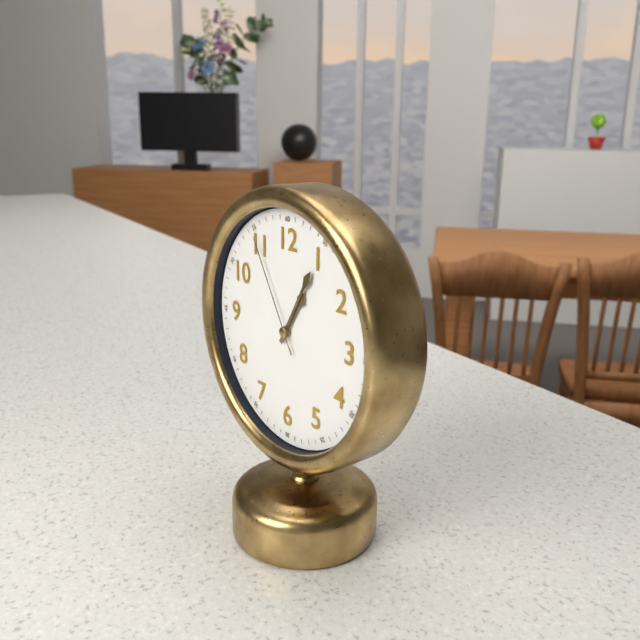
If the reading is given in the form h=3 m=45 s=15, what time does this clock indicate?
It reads h=1 m=5 s=55
